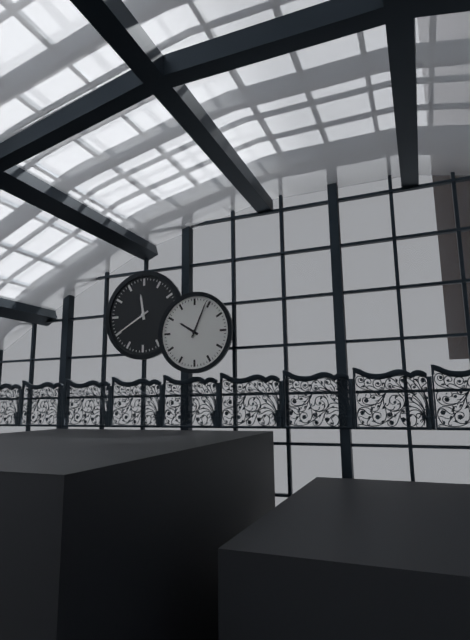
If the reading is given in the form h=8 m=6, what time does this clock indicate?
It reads h=10 m=4
